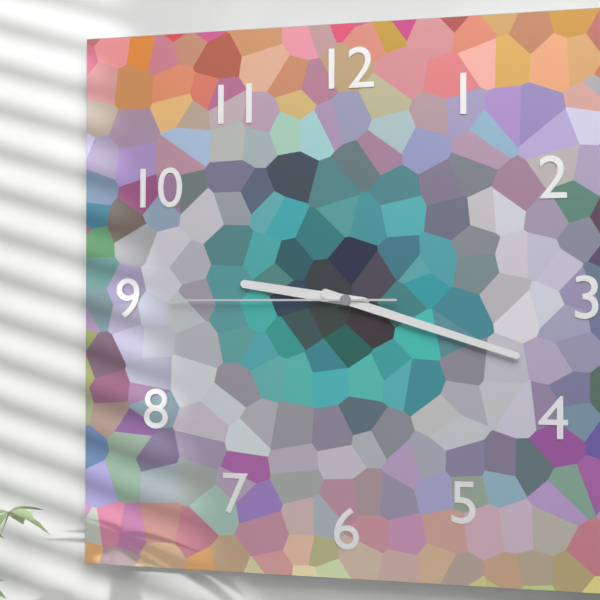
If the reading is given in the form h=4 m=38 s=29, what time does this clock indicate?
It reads h=9 m=18 s=45
